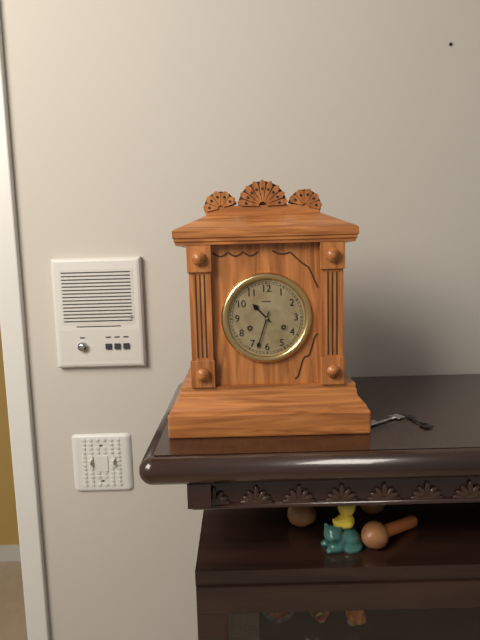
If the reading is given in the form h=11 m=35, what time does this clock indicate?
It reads h=10 m=33
